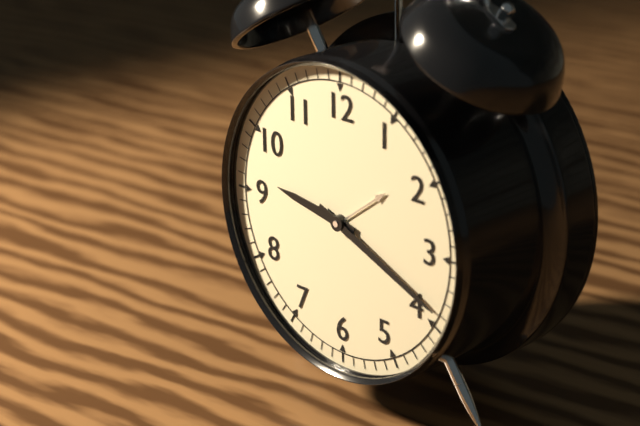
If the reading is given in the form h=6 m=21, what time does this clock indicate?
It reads h=9 m=19
